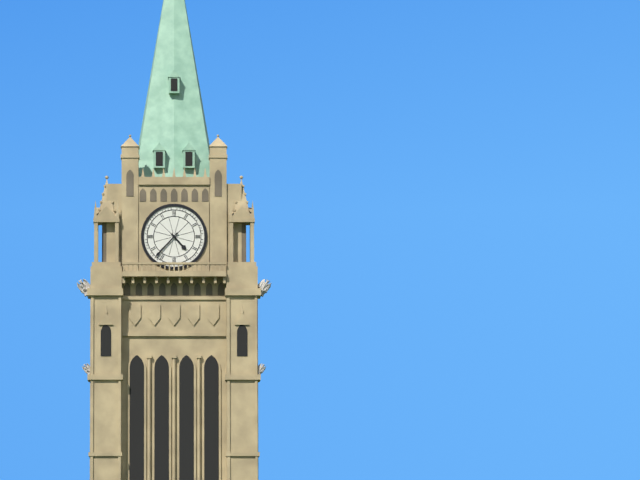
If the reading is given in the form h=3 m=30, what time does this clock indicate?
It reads h=4 m=37
